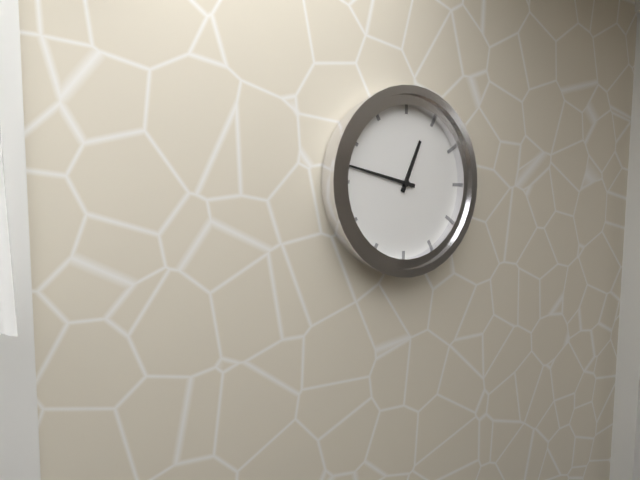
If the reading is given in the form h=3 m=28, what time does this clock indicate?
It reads h=12 m=47
